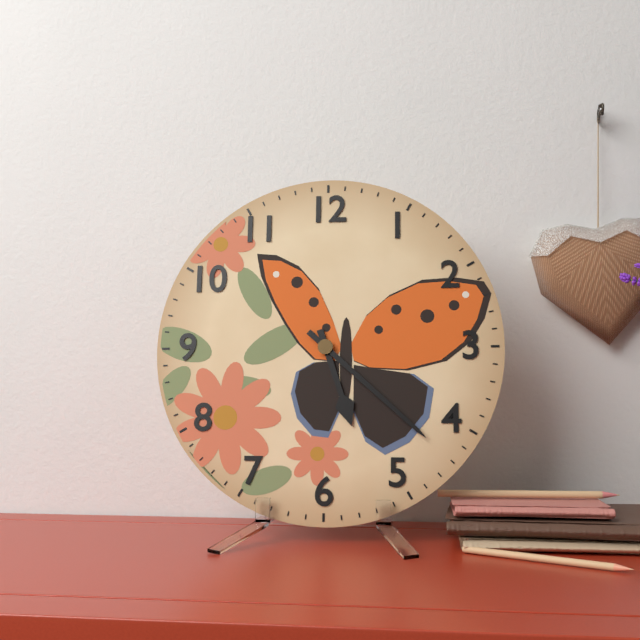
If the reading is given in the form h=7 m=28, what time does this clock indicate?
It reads h=5 m=22
